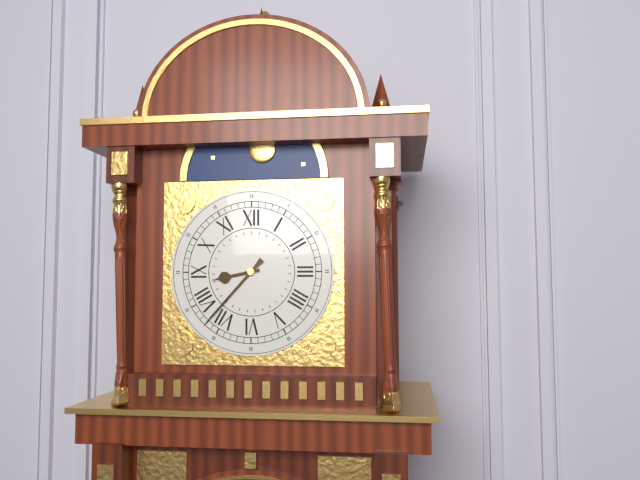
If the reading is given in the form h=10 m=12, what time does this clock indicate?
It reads h=8 m=37
